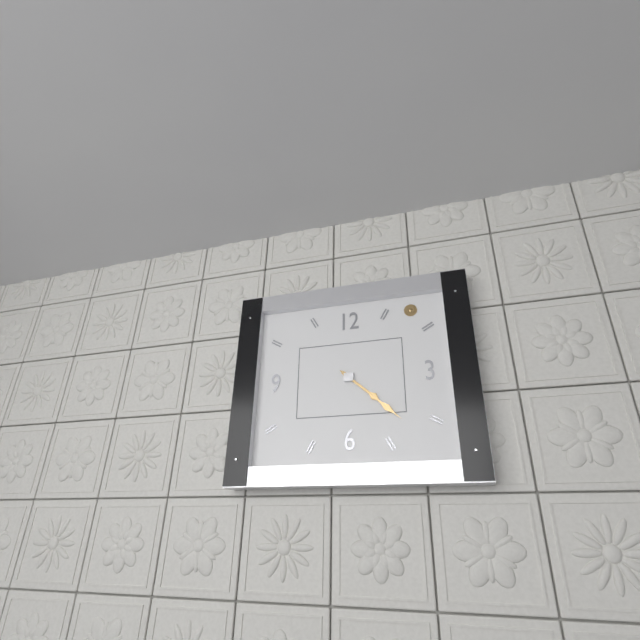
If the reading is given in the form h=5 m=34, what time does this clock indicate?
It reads h=4 m=22
